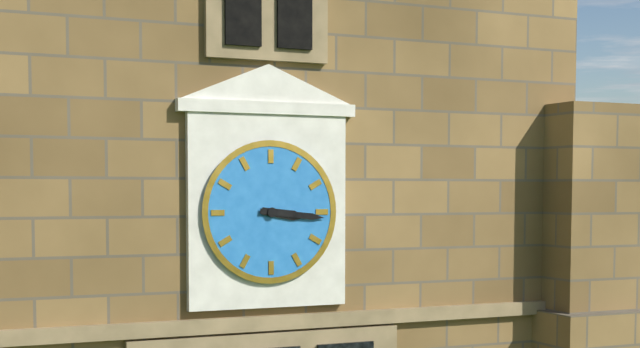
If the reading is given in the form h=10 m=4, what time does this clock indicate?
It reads h=3 m=16
